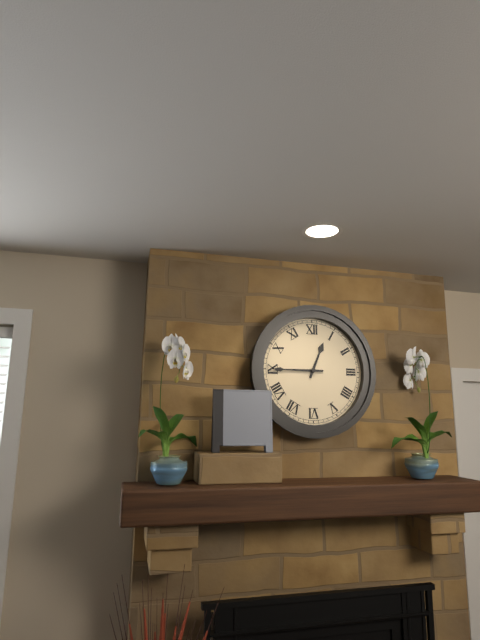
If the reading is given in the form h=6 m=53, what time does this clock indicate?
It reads h=12 m=45
